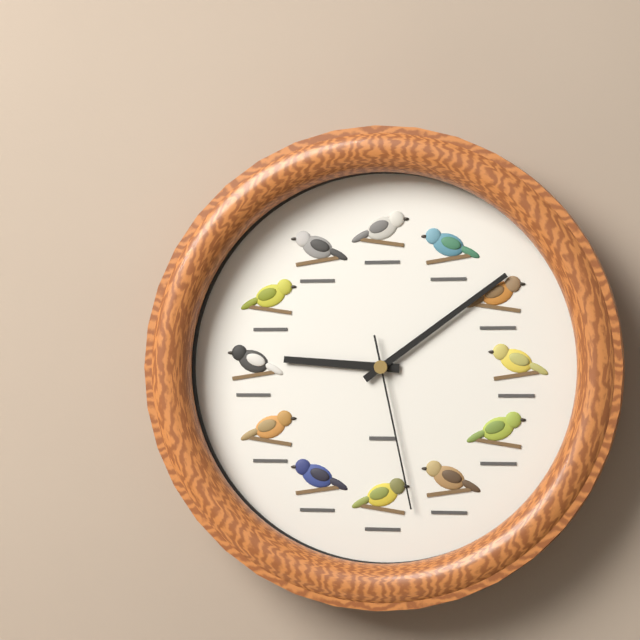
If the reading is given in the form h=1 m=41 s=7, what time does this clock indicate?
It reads h=9 m=9 s=28
